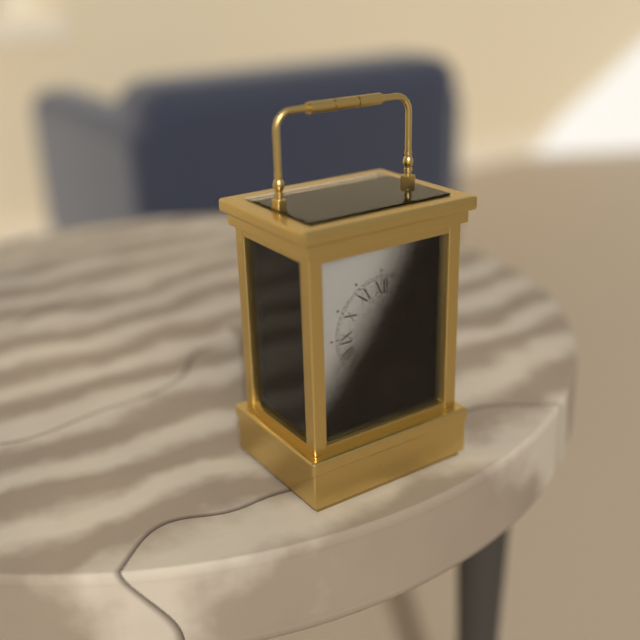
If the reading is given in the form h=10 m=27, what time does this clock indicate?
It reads h=12 m=35
